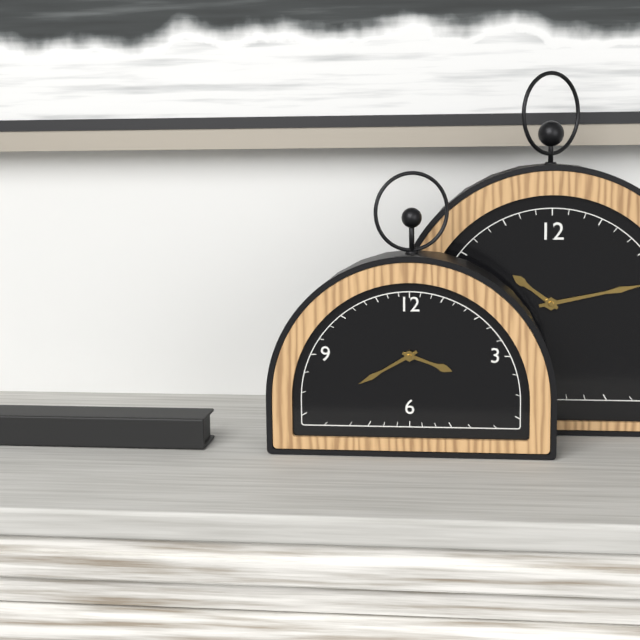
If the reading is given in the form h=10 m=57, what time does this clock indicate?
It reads h=3 m=40
